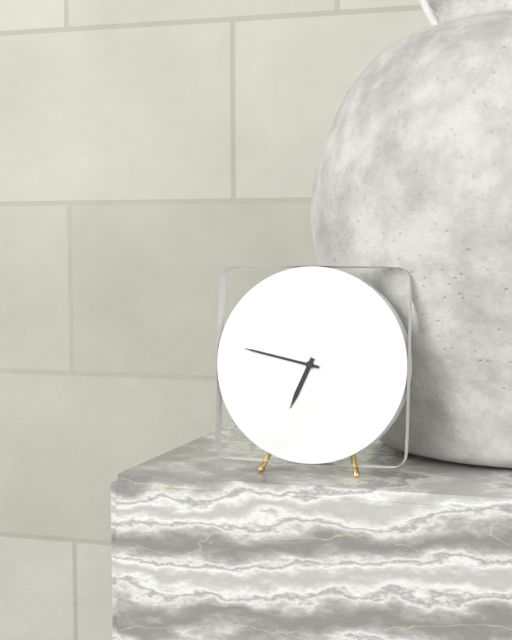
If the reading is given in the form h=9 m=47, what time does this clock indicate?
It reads h=6 m=47
